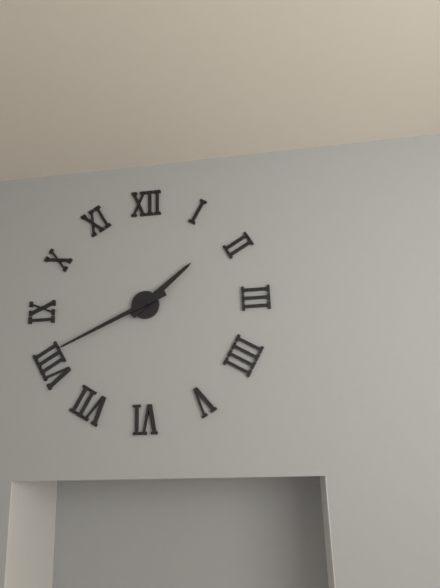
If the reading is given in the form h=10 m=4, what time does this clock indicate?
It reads h=1 m=41
